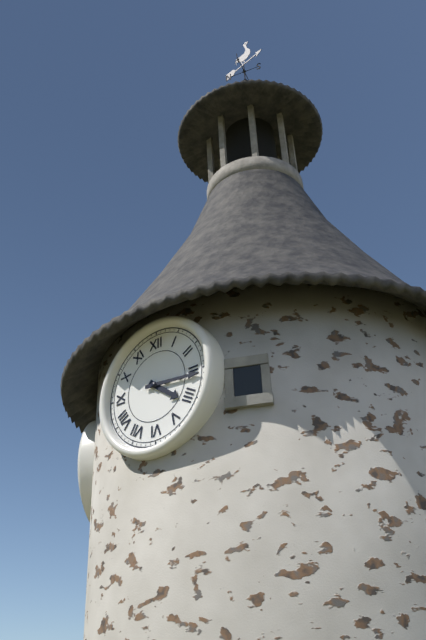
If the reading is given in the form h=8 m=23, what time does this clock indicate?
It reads h=4 m=16
